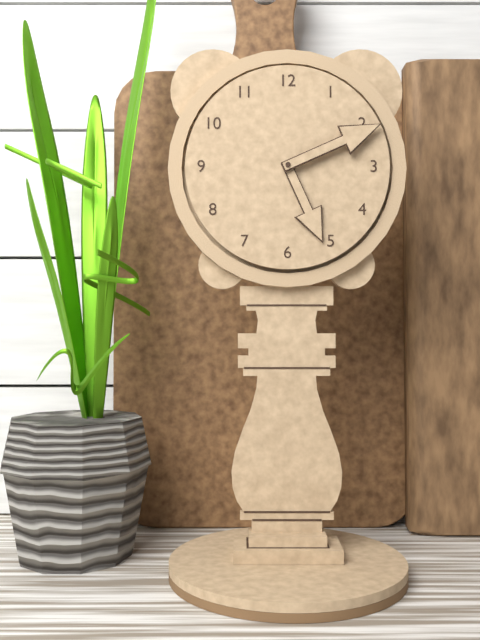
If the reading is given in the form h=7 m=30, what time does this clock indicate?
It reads h=5 m=11
